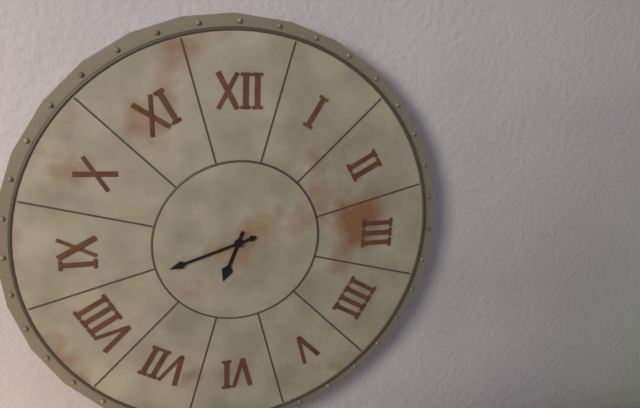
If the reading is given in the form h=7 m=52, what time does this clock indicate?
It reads h=6 m=42
